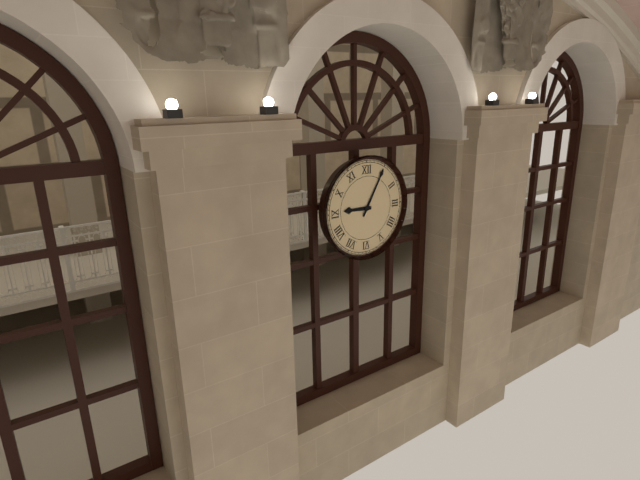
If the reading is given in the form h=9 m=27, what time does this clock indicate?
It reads h=9 m=5
